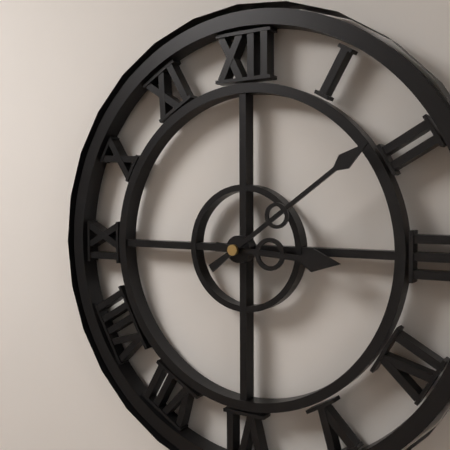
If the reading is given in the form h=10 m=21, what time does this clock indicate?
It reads h=3 m=9
